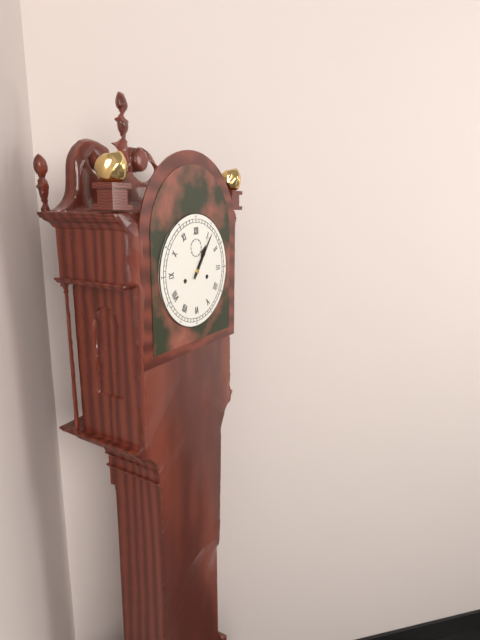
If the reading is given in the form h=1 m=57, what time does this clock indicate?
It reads h=1 m=6
